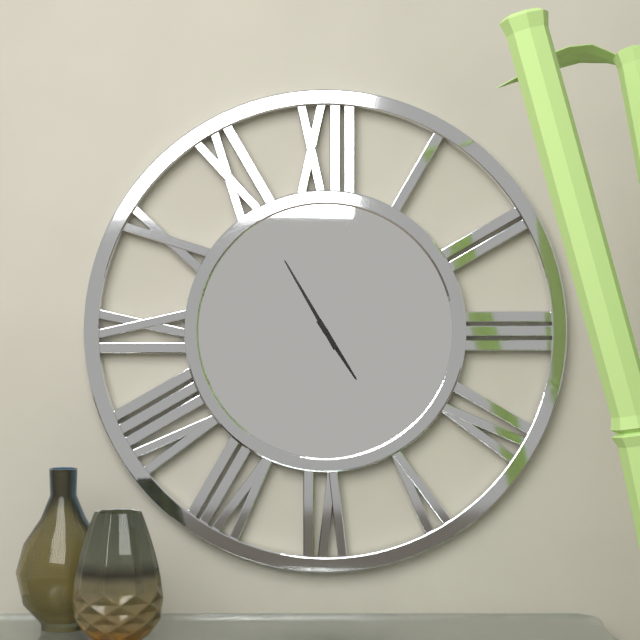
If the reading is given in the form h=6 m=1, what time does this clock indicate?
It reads h=4 m=55
